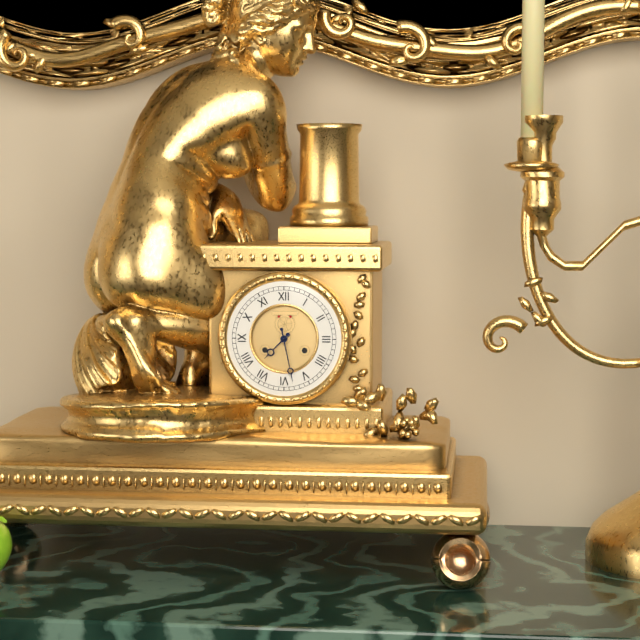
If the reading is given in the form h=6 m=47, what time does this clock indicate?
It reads h=7 m=28
